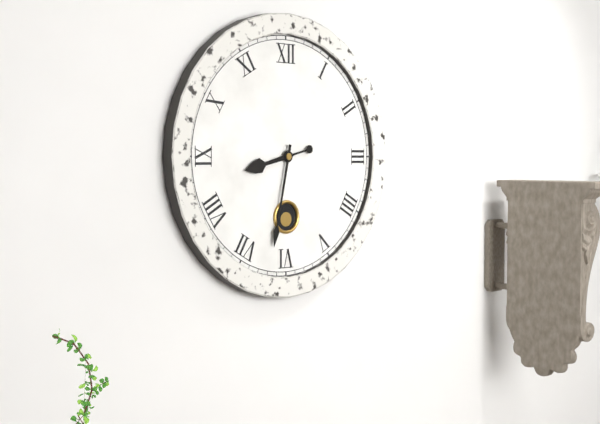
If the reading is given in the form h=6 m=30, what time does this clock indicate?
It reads h=8 m=32
